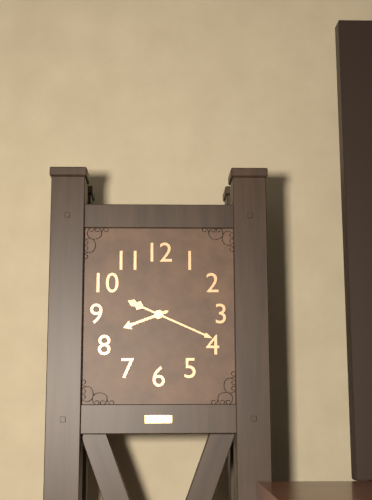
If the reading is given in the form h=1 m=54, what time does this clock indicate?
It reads h=8 m=19
